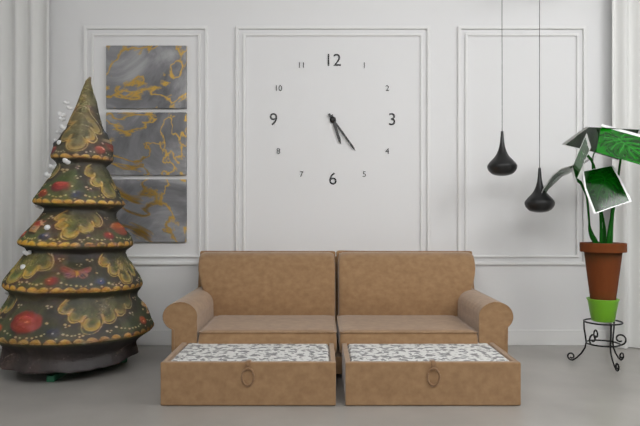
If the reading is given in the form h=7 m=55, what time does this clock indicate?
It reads h=5 m=24
